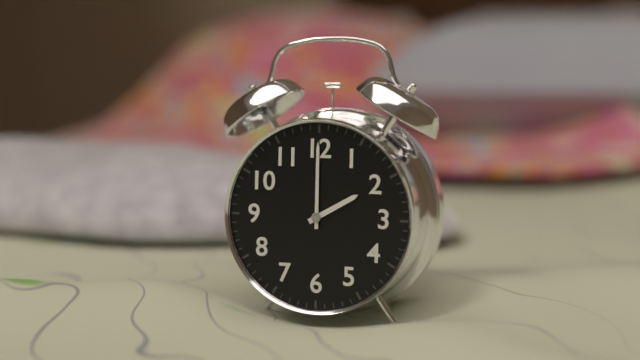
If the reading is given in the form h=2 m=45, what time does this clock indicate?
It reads h=2 m=0
